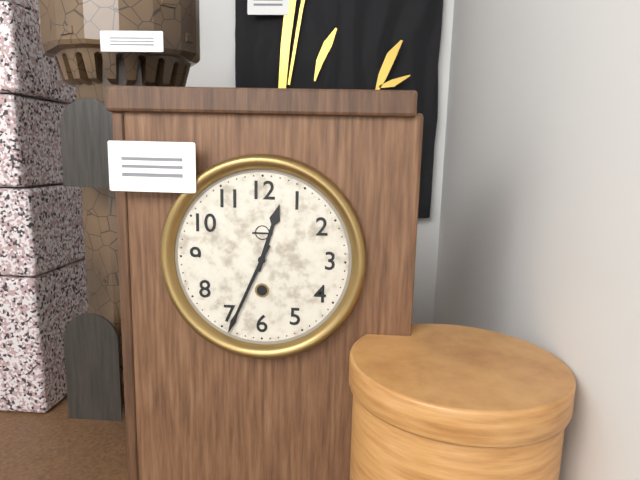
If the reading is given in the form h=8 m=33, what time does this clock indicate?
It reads h=12 m=34
